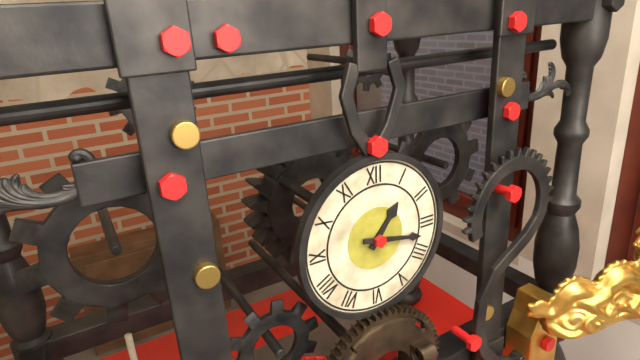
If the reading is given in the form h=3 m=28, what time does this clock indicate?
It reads h=1 m=17
